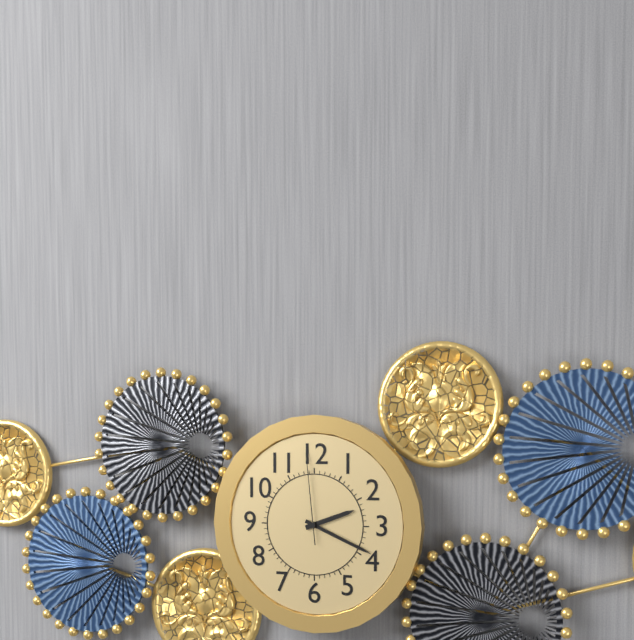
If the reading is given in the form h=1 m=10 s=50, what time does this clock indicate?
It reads h=2 m=19 s=59
